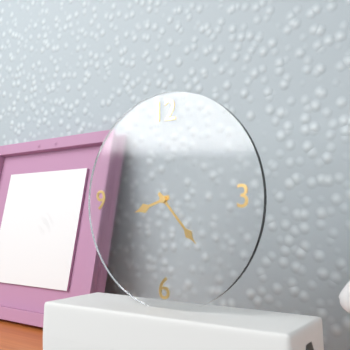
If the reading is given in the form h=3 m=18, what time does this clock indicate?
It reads h=8 m=23
